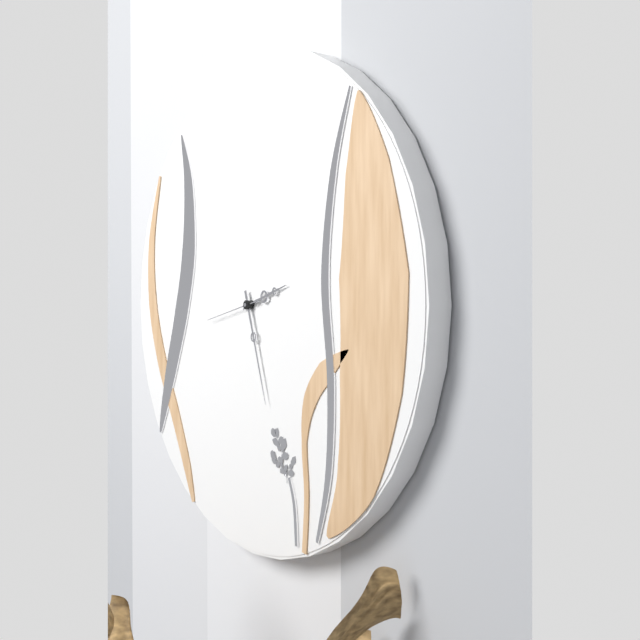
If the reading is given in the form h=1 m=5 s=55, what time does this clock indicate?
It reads h=2 m=27 s=43
